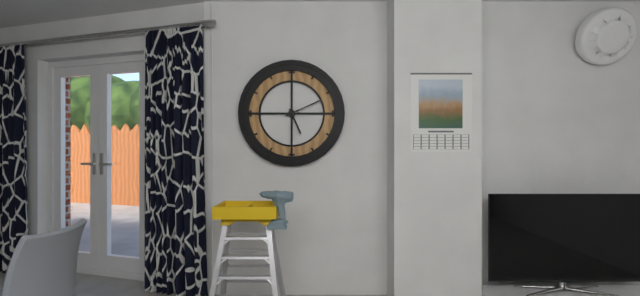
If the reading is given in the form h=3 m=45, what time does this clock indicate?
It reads h=5 m=11
